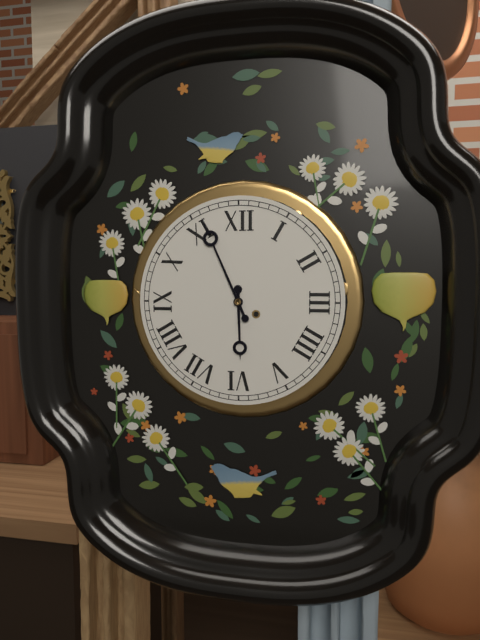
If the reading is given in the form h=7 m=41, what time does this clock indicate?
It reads h=5 m=56
